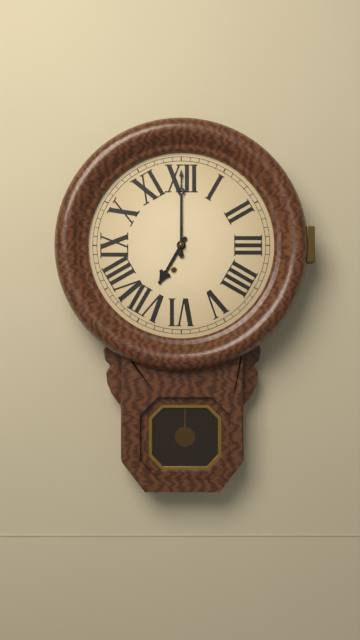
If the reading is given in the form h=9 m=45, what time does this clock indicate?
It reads h=7 m=0
